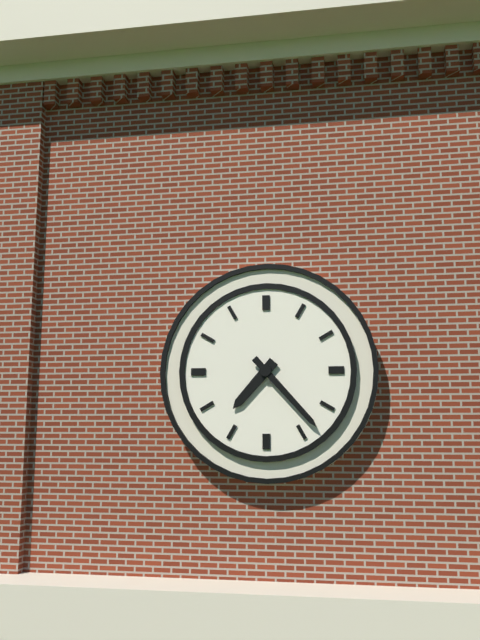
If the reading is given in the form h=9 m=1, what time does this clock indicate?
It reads h=7 m=23
